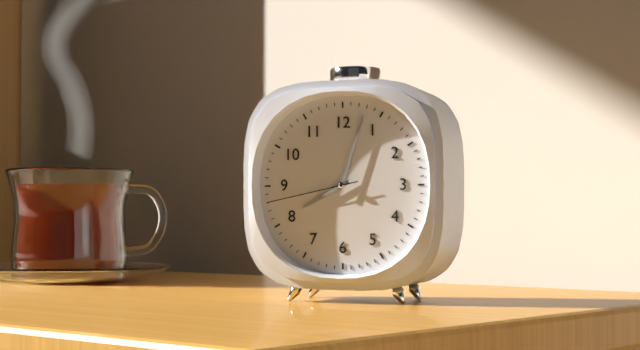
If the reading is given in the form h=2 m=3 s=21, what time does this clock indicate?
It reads h=8 m=3 s=43
